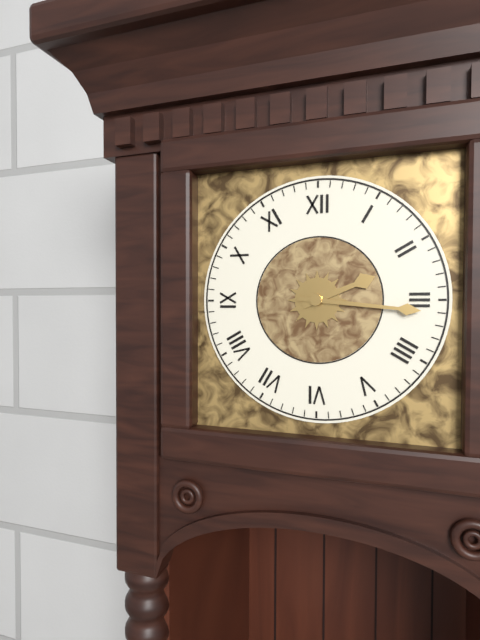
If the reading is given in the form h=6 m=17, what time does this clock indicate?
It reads h=2 m=16
